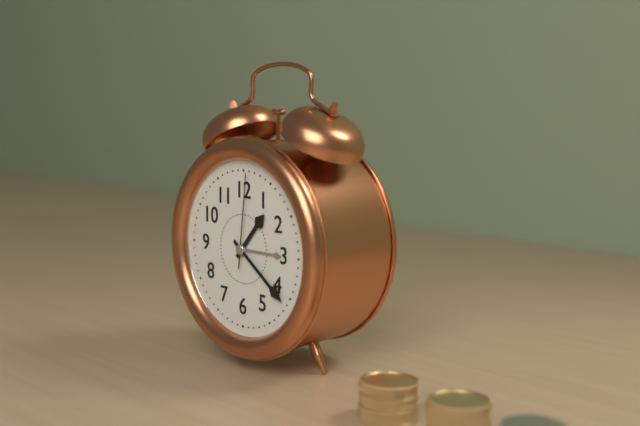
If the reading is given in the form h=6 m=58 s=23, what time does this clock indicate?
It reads h=1 m=21 s=1
